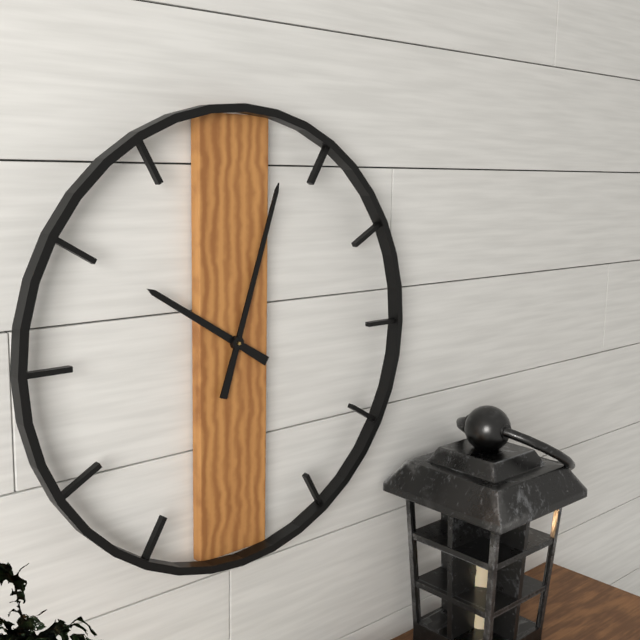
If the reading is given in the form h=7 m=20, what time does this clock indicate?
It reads h=10 m=3
